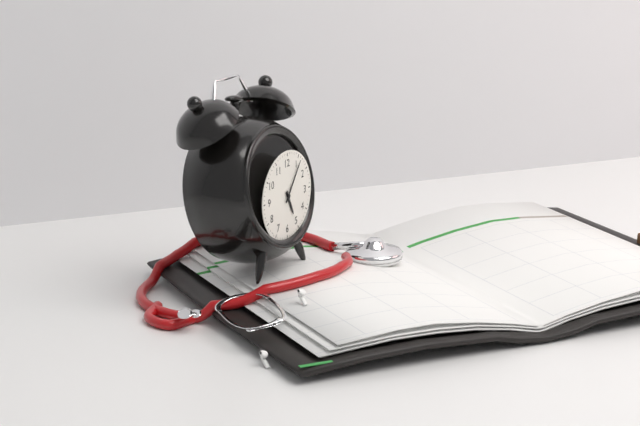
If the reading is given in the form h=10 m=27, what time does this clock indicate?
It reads h=5 m=6
